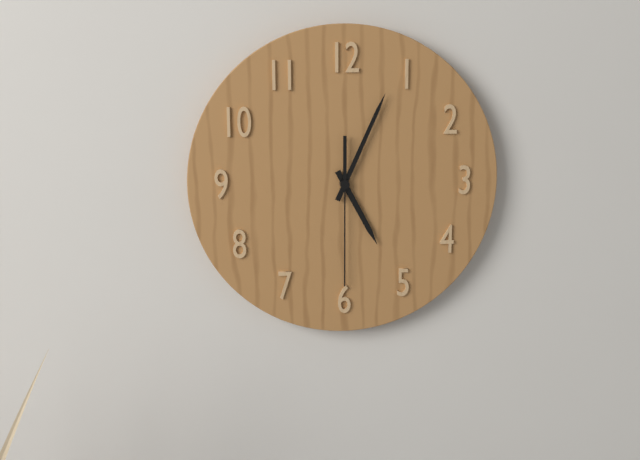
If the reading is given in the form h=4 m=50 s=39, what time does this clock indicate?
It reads h=5 m=4 s=30
